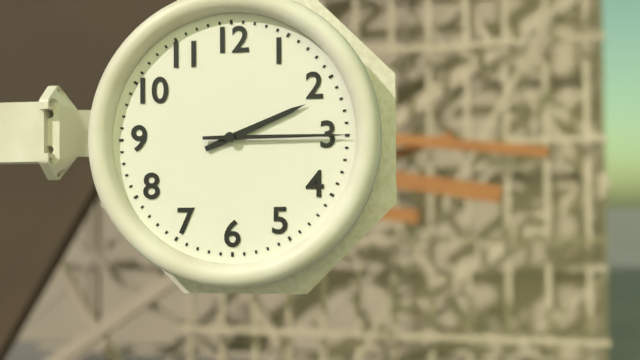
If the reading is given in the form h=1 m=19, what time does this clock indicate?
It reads h=2 m=15
